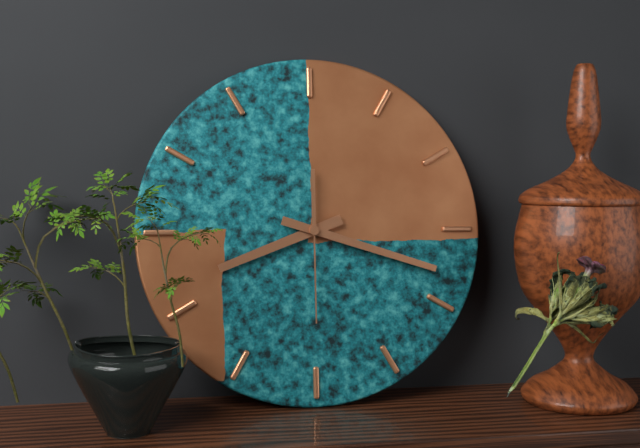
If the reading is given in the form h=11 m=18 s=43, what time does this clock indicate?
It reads h=8 m=18 s=30
